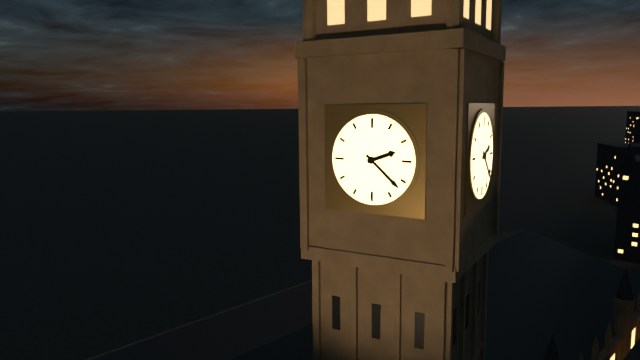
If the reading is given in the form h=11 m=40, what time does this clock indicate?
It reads h=2 m=22
